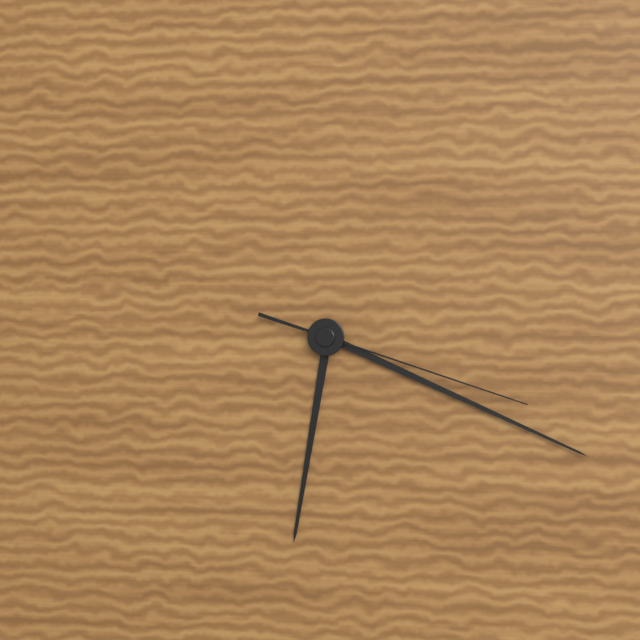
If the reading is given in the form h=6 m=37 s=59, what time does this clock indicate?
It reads h=6 m=19 s=18
